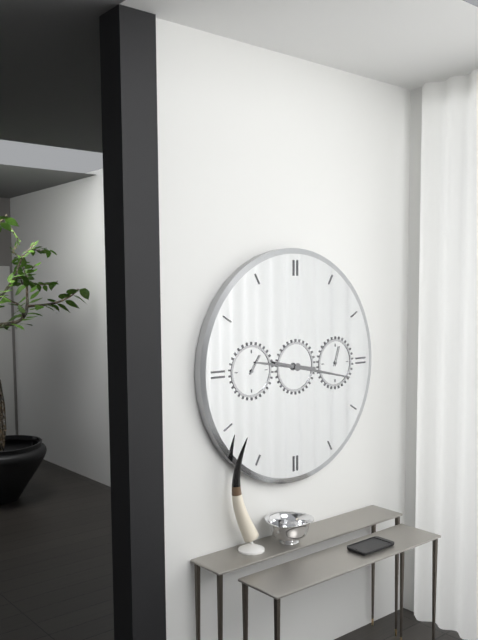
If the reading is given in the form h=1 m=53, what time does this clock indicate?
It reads h=9 m=17
